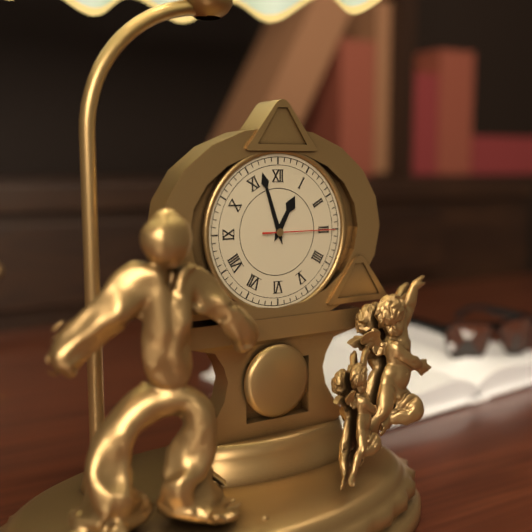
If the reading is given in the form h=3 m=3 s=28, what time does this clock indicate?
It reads h=12 m=57 s=15
